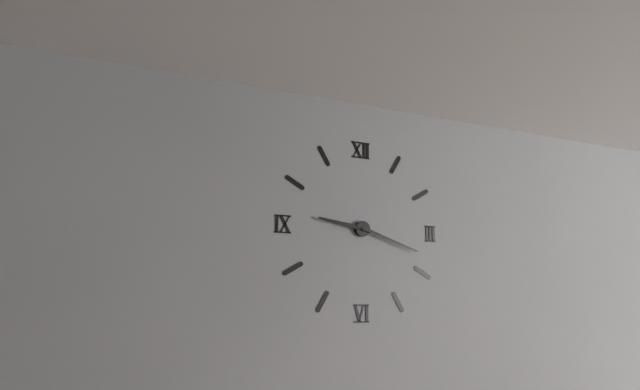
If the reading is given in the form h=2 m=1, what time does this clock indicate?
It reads h=9 m=18
